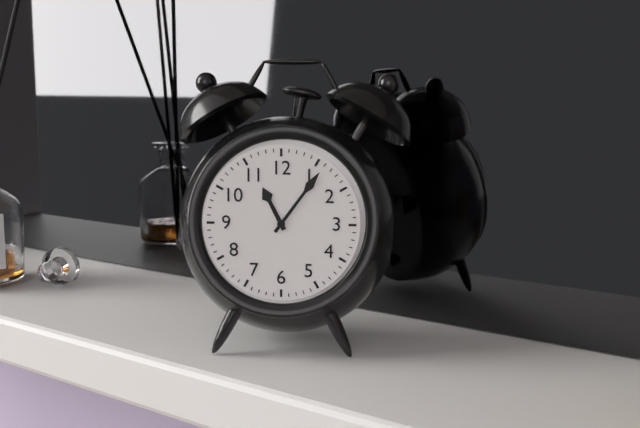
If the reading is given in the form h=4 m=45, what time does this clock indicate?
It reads h=11 m=6
